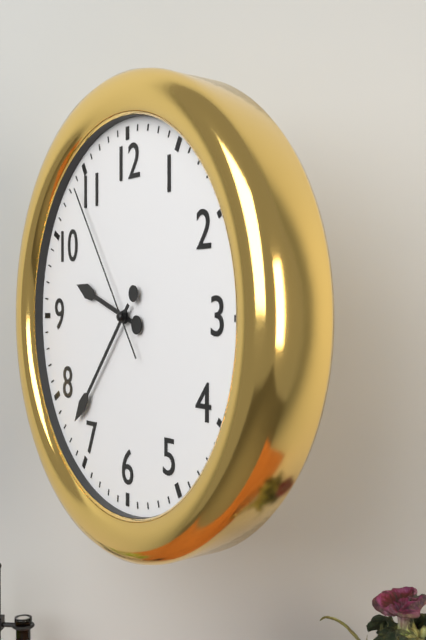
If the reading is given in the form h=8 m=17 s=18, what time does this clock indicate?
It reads h=9 m=37 s=54
